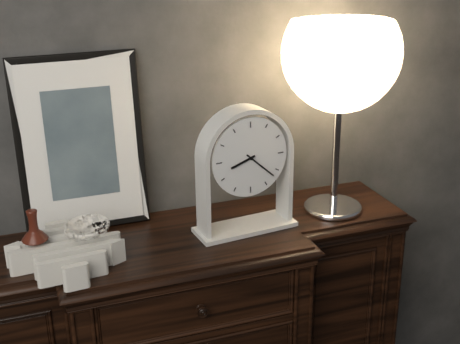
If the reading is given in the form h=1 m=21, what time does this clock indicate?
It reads h=8 m=22
